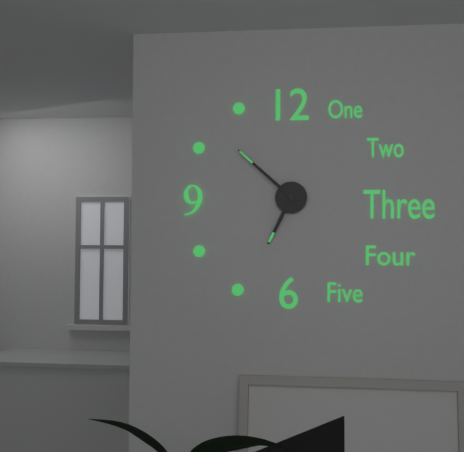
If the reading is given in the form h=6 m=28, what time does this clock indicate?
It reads h=6 m=52
